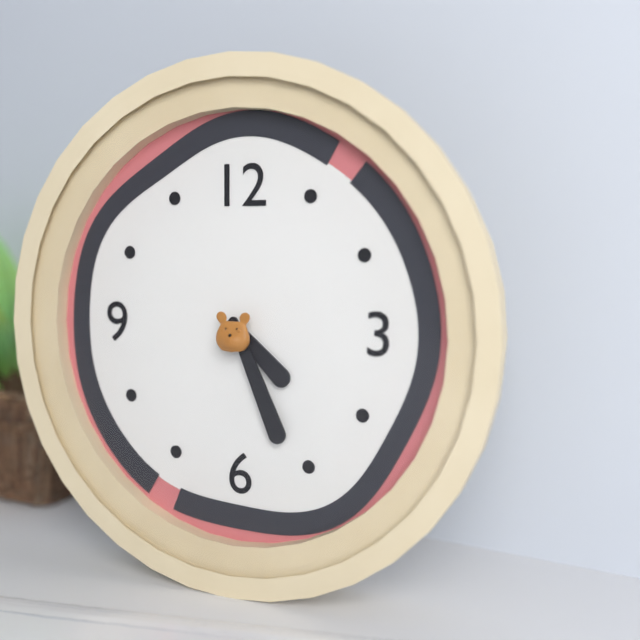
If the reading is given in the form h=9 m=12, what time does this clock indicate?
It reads h=4 m=26
